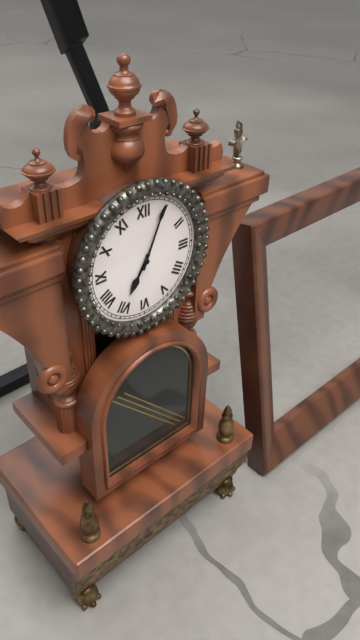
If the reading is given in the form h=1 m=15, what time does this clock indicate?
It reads h=7 m=4
